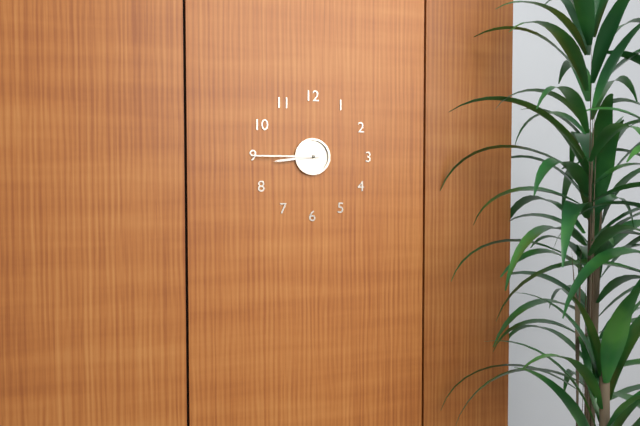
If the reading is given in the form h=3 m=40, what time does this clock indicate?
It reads h=8 m=45
